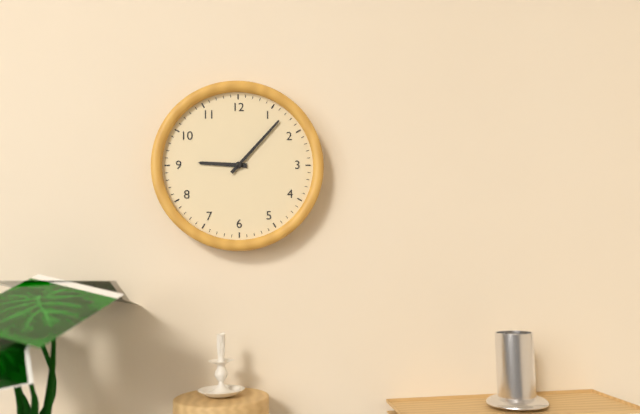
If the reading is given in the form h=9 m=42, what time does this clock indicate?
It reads h=9 m=7
